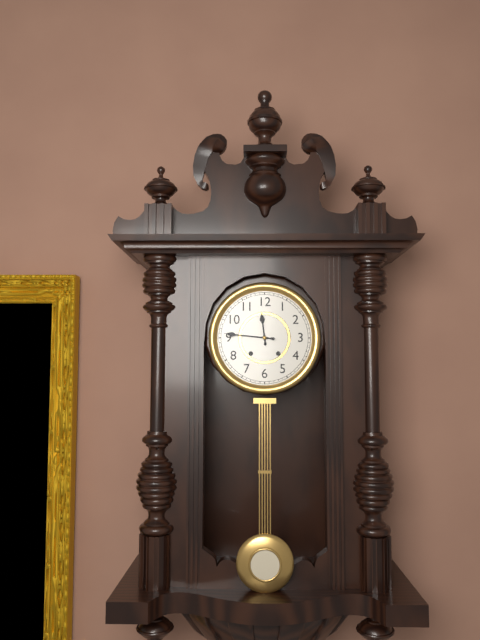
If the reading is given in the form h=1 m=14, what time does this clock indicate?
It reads h=11 m=46
